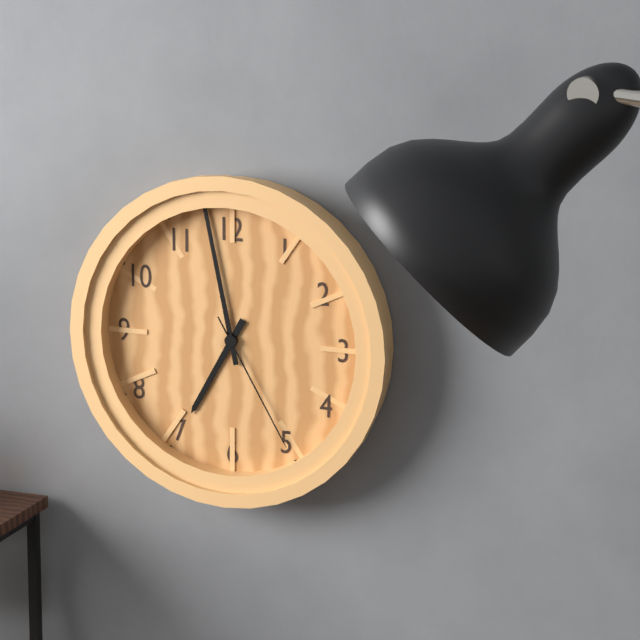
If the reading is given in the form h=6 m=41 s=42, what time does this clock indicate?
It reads h=6 m=58 s=25
